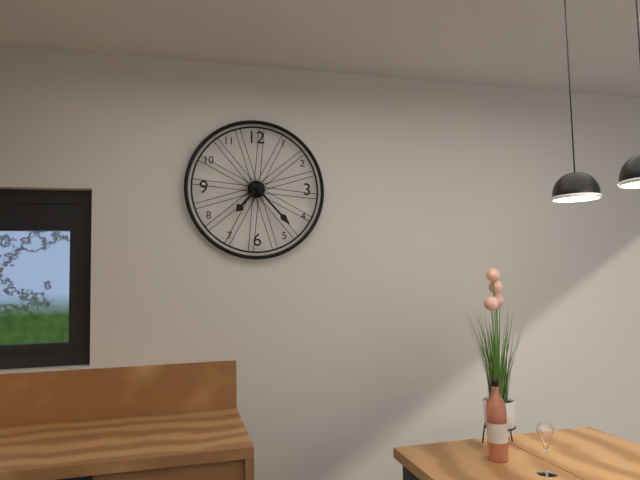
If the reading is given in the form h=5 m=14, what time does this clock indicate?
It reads h=7 m=23
